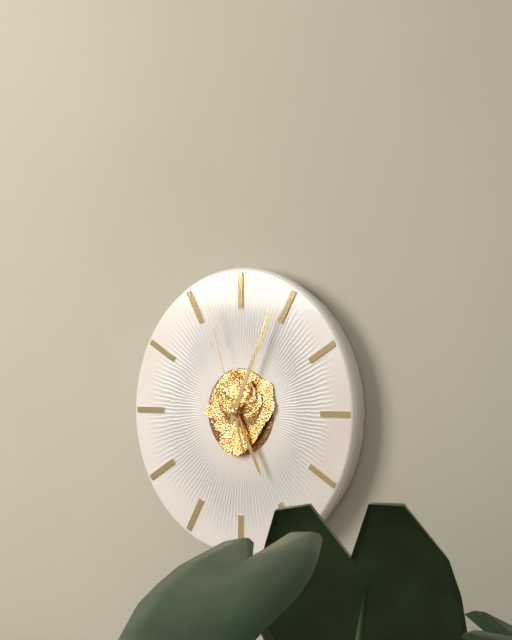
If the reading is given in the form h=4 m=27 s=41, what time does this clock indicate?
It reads h=5 m=4 s=57
